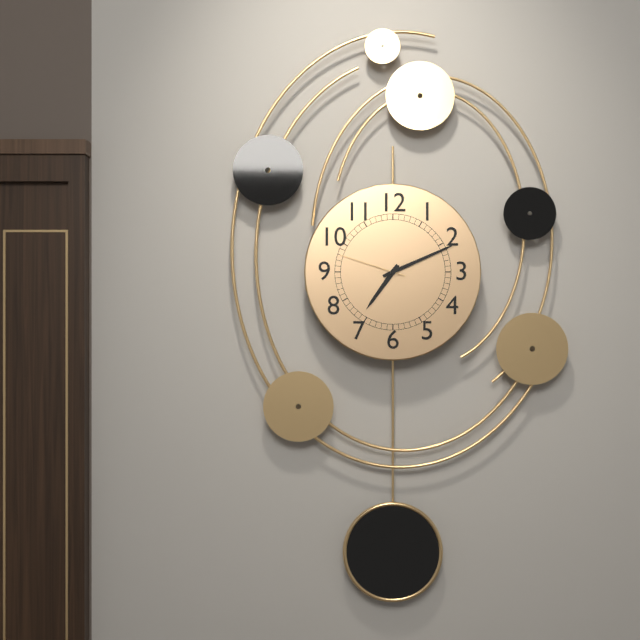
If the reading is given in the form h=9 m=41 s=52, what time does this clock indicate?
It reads h=7 m=11 s=48
